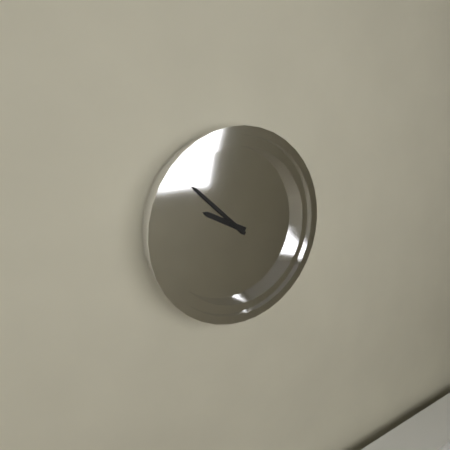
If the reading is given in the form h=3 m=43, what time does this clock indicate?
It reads h=9 m=52
